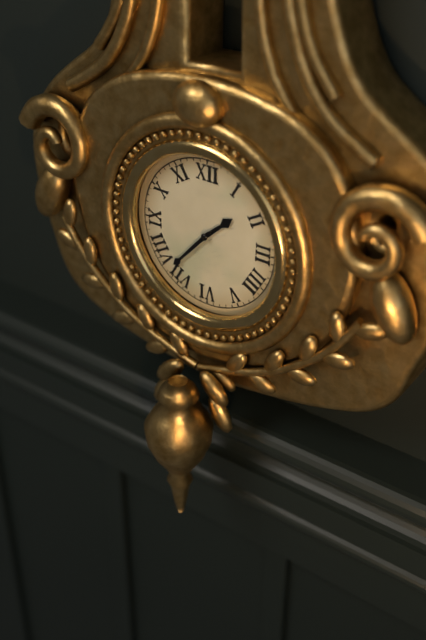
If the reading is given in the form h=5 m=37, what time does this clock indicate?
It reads h=1 m=37
